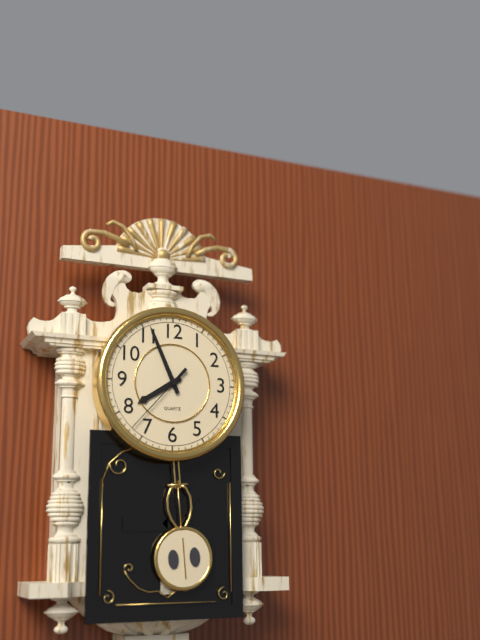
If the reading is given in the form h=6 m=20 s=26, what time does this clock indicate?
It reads h=7 m=56 s=37
